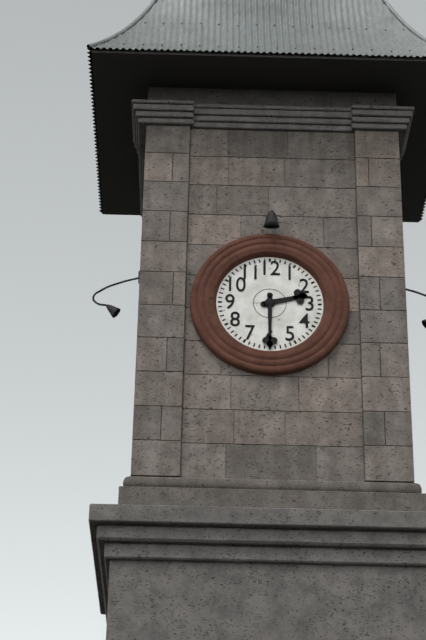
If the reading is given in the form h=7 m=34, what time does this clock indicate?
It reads h=2 m=30
